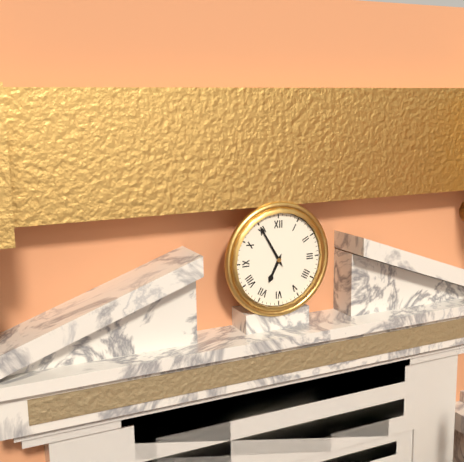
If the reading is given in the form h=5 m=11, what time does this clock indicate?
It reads h=6 m=55
